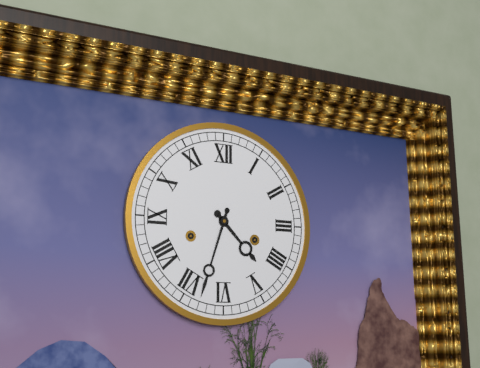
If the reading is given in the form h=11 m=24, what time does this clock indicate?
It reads h=4 m=33
